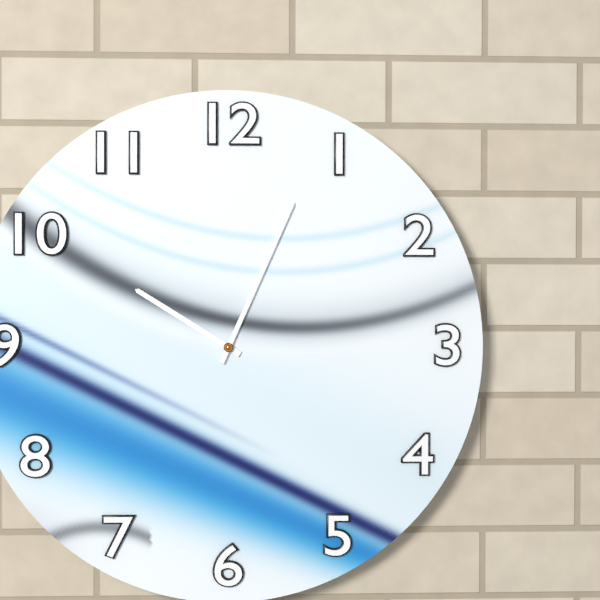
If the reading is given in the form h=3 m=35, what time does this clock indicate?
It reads h=10 m=4
